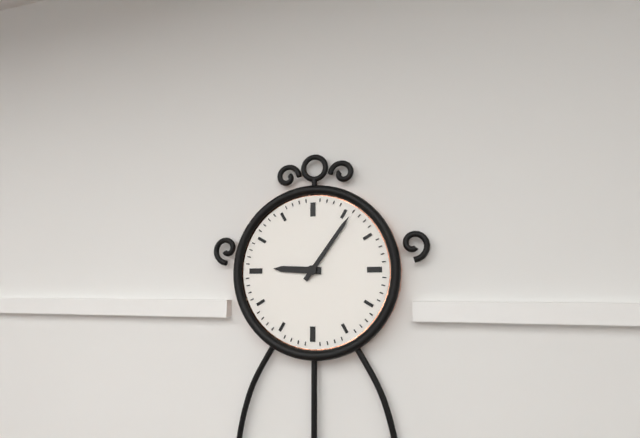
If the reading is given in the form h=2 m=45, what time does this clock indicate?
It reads h=9 m=6
